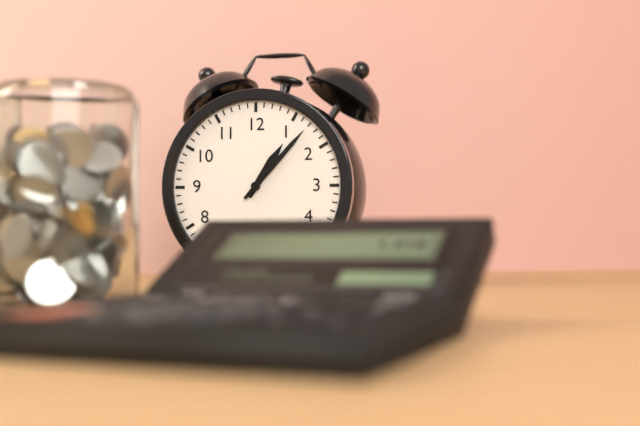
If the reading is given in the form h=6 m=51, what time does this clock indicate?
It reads h=1 m=7
